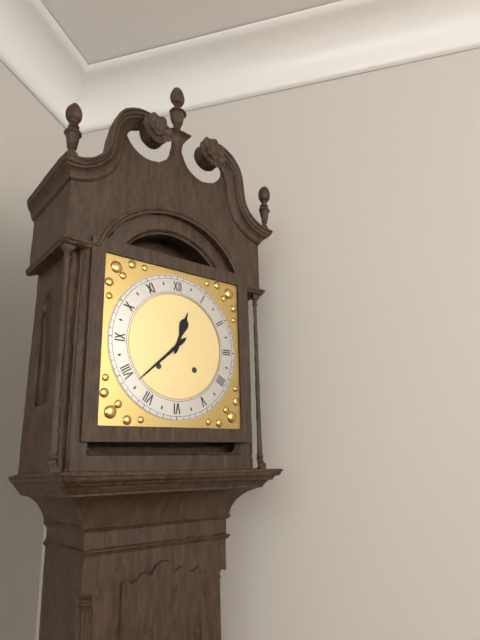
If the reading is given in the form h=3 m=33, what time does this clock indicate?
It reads h=12 m=38
